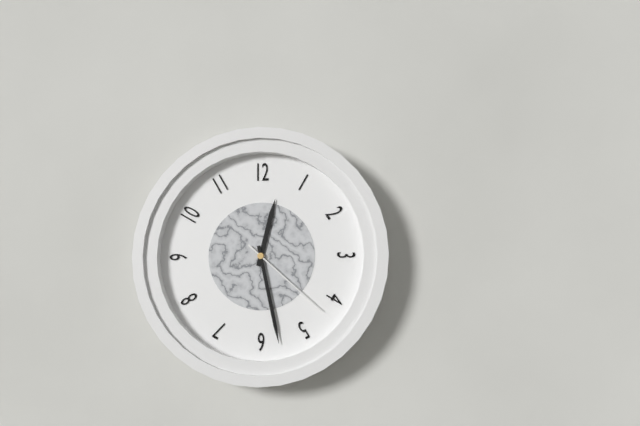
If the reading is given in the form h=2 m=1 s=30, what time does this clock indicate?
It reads h=12 m=28 s=22
